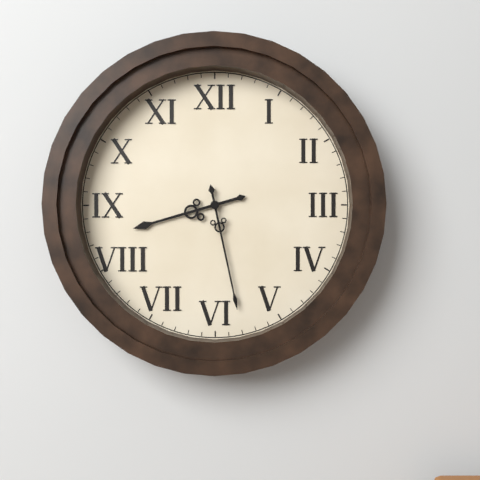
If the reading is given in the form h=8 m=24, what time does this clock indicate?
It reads h=8 m=28
